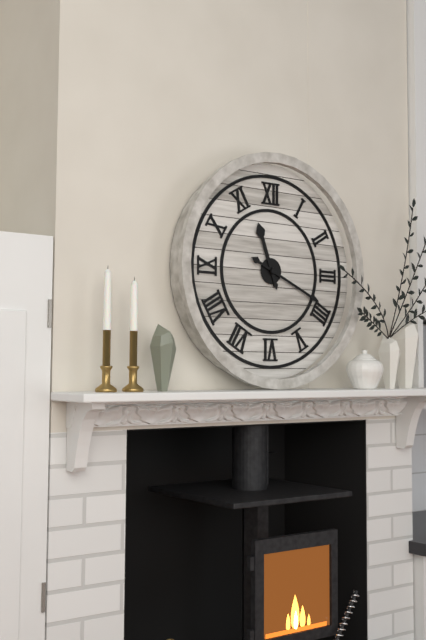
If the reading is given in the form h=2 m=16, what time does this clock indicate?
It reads h=11 m=19
